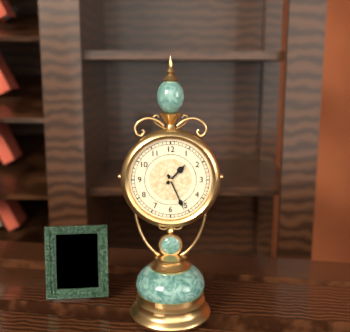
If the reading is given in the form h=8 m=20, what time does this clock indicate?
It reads h=1 m=26
